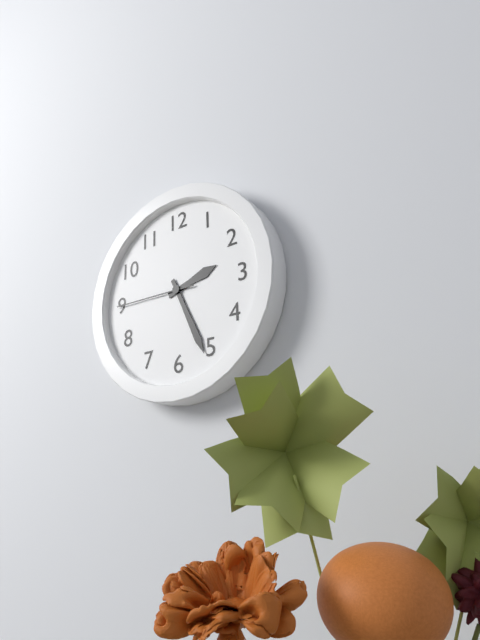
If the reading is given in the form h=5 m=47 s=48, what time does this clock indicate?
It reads h=2 m=26 s=45
